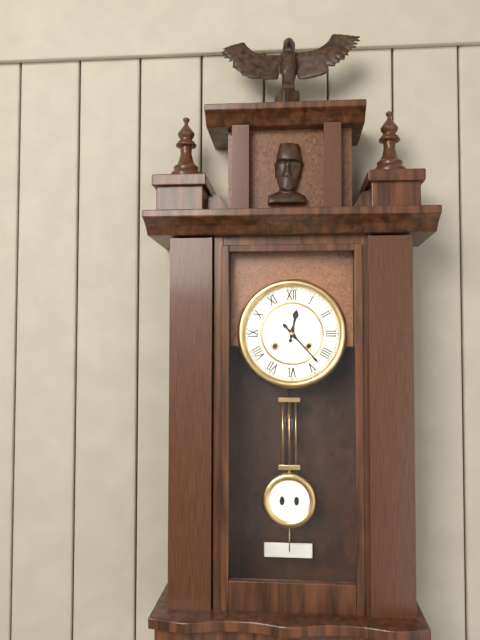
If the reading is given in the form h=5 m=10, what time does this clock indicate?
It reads h=12 m=23
